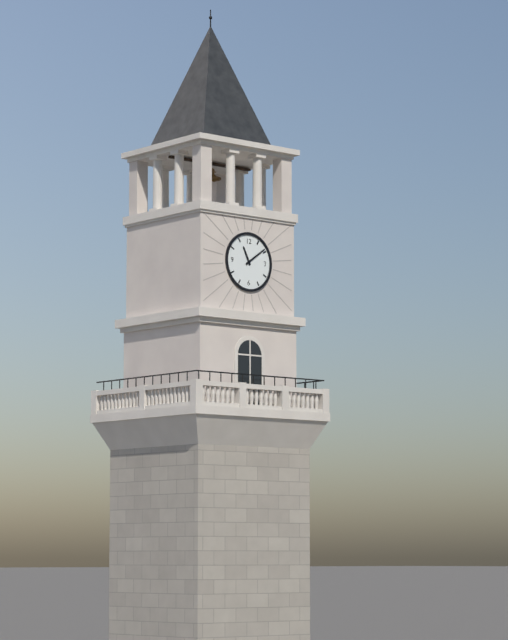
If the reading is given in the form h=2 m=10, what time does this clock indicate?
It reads h=11 m=9
